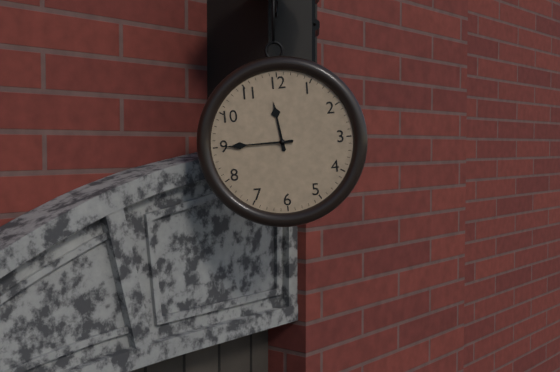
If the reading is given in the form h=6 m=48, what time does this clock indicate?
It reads h=11 m=45
